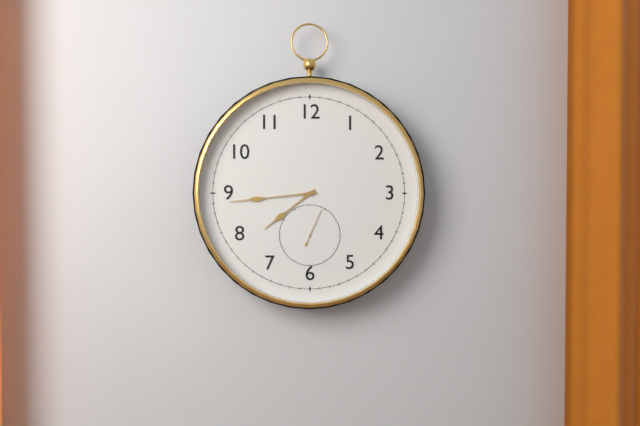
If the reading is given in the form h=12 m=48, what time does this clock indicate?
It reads h=7 m=44
